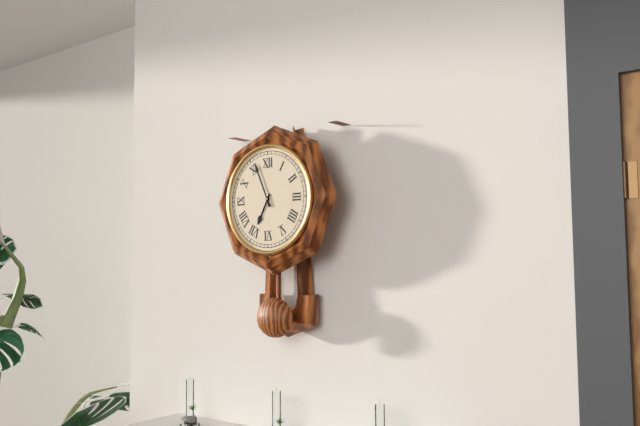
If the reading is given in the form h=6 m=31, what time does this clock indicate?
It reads h=6 m=56
